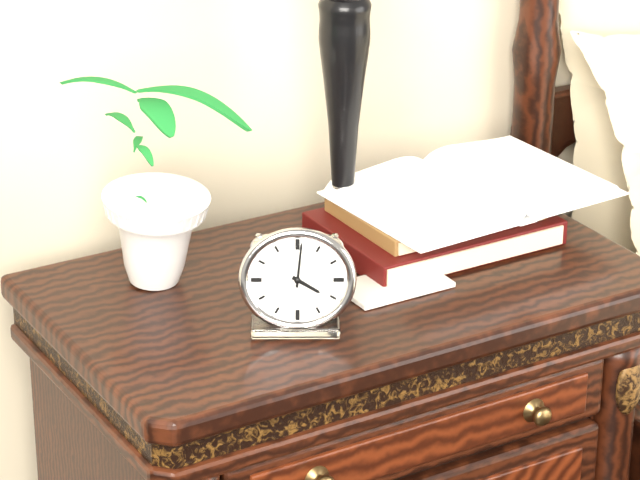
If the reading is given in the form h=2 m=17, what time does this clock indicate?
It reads h=4 m=1
